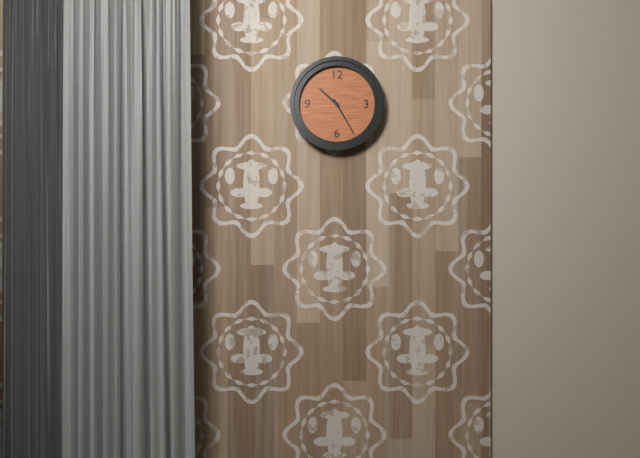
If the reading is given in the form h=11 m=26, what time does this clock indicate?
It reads h=10 m=25
